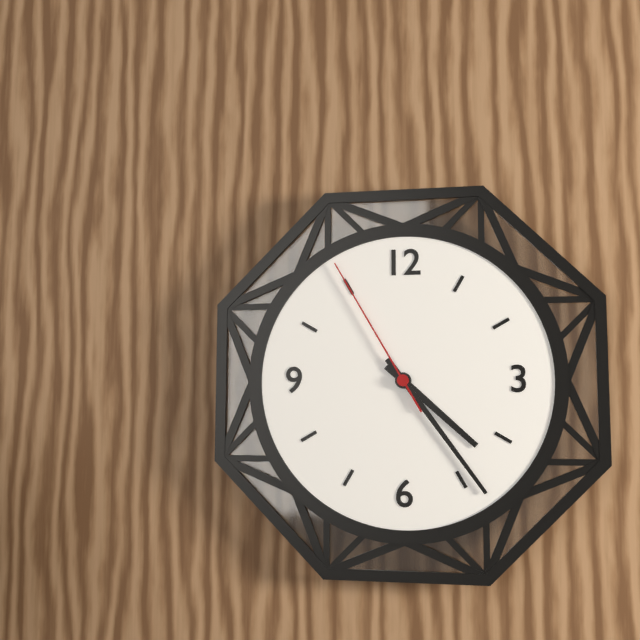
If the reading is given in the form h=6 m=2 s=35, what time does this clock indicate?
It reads h=4 m=24 s=55
